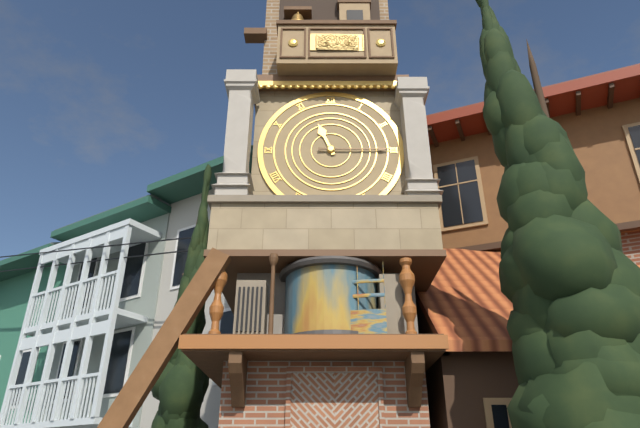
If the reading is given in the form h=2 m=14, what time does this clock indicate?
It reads h=11 m=15
